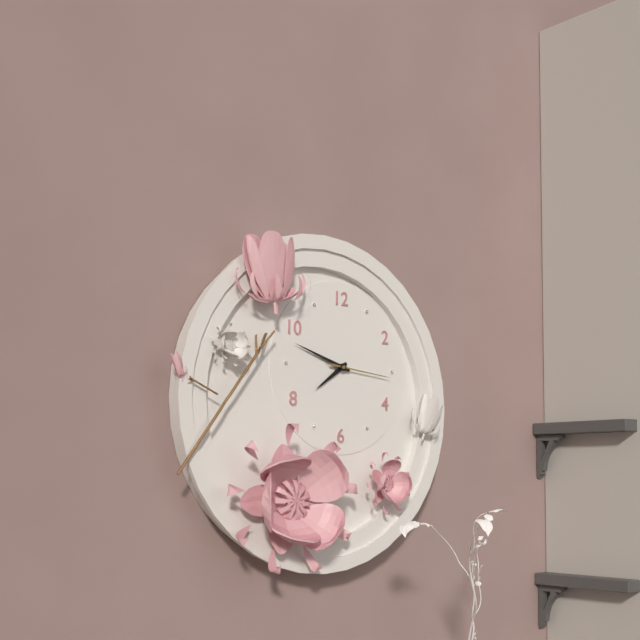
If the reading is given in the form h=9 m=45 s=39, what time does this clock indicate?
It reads h=7 m=48 s=16
